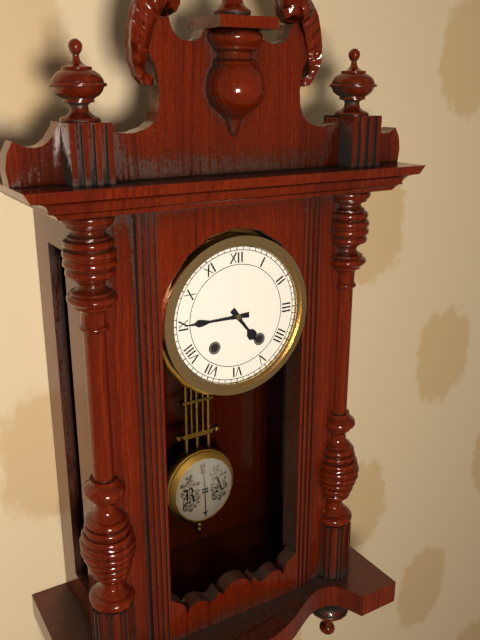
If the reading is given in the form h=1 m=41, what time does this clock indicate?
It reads h=4 m=45
